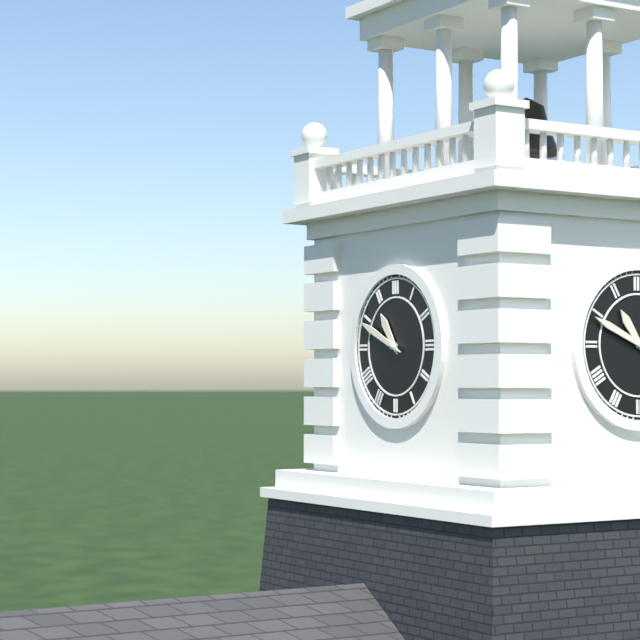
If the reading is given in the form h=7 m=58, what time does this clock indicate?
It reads h=10 m=49
